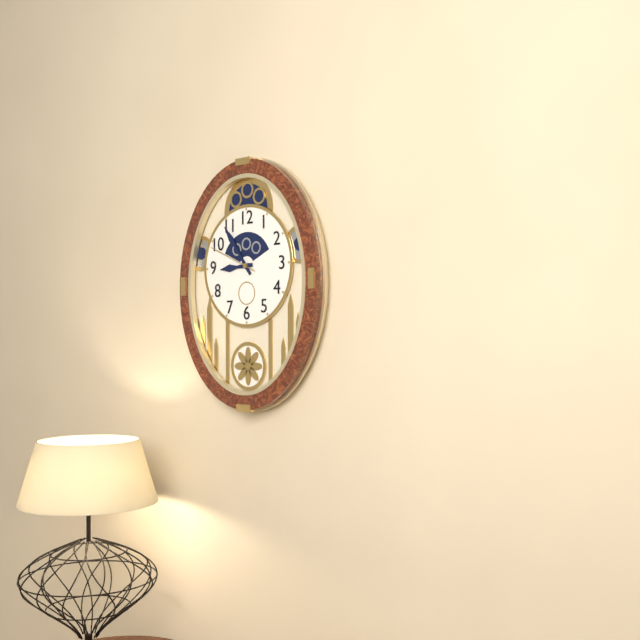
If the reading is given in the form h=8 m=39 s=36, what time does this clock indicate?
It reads h=8 m=54 s=49
